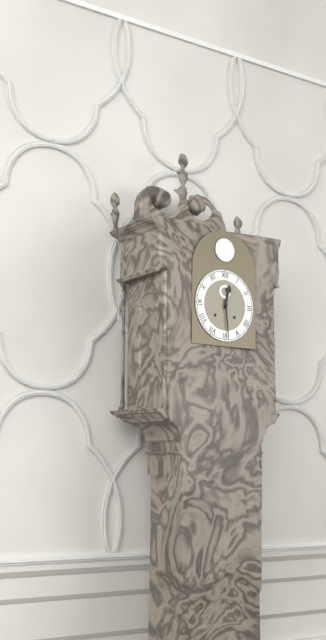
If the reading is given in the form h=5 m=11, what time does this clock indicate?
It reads h=12 m=29
